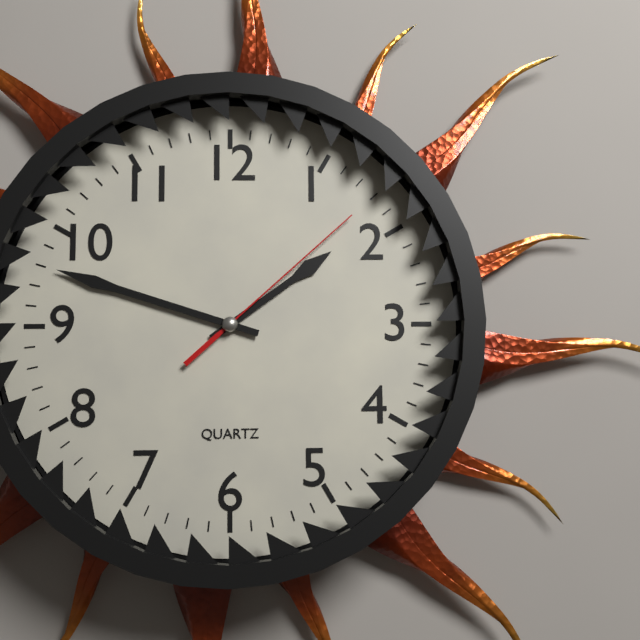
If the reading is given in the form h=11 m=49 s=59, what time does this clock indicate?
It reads h=1 m=48 s=8
